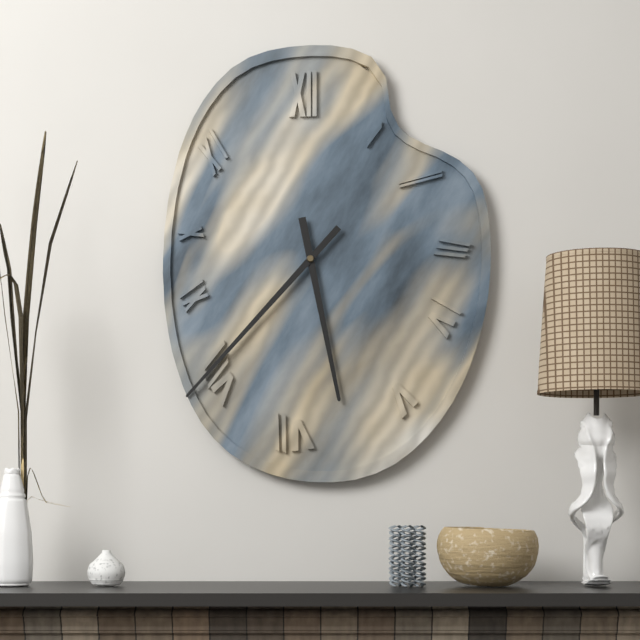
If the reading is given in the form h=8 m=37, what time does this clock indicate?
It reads h=5 m=37
